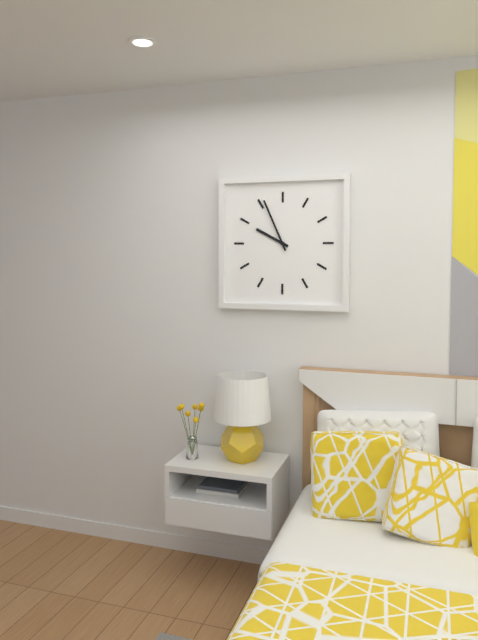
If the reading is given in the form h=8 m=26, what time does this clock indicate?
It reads h=9 m=56
